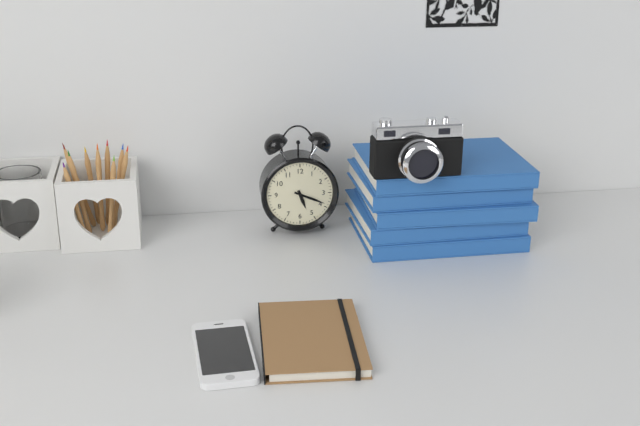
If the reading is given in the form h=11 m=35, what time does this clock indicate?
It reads h=5 m=19
